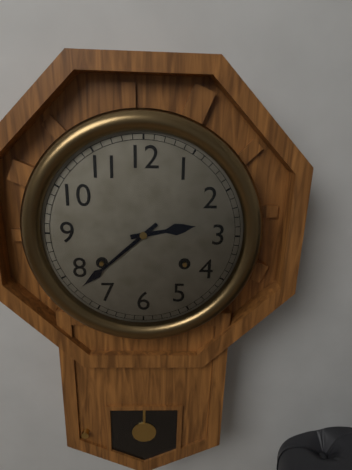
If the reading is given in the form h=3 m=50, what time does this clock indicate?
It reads h=2 m=38
